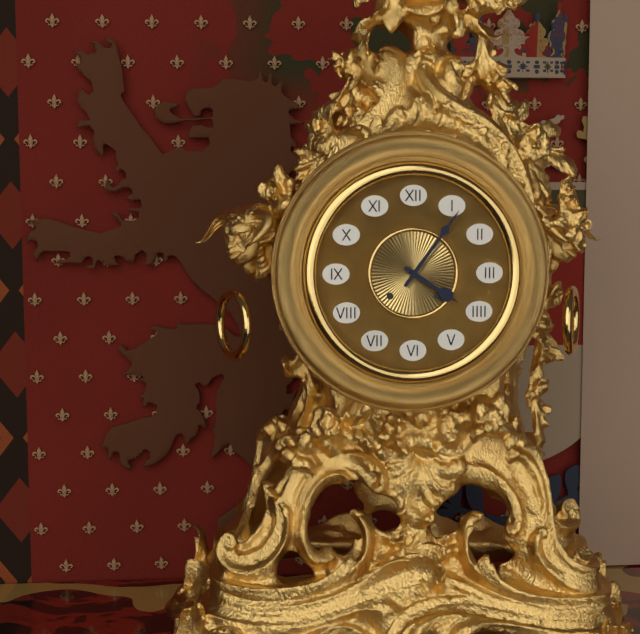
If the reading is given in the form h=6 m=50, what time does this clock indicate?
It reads h=4 m=6
